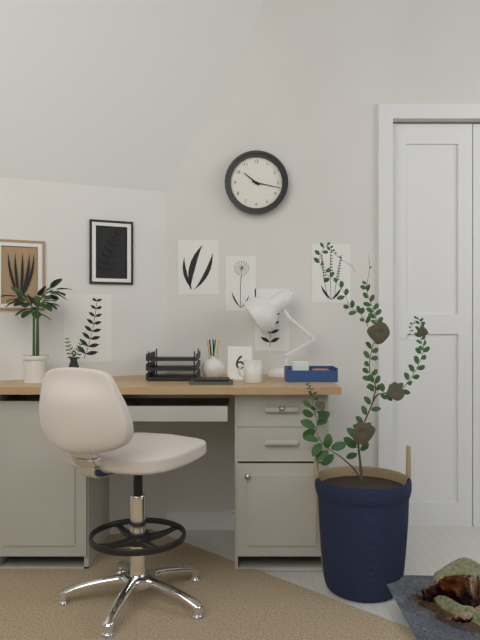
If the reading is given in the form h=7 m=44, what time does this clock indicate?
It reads h=10 m=17
